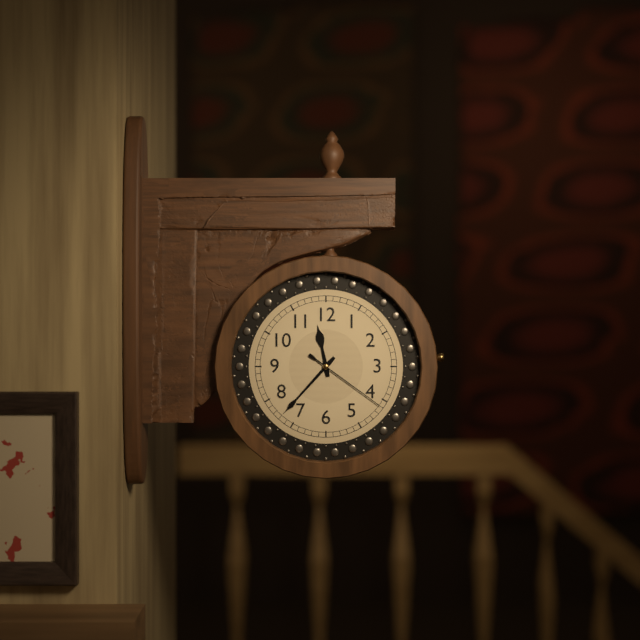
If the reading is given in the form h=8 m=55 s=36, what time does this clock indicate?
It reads h=11 m=37 s=21
